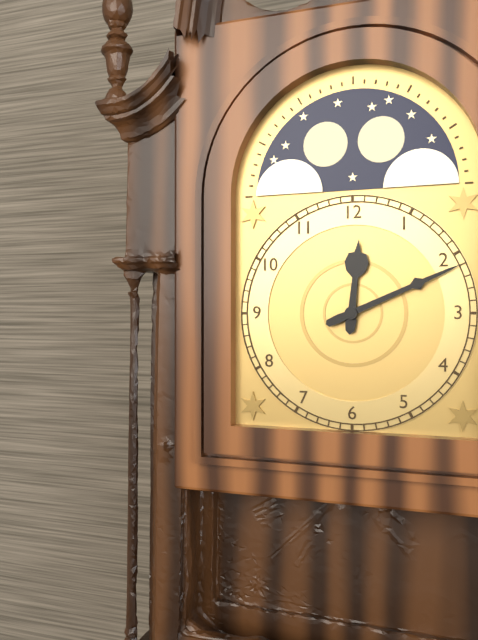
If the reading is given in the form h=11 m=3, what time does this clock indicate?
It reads h=12 m=11
